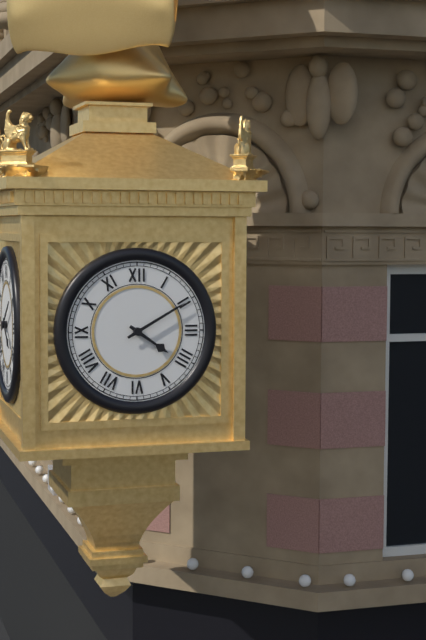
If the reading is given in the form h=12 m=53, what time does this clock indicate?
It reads h=4 m=10
